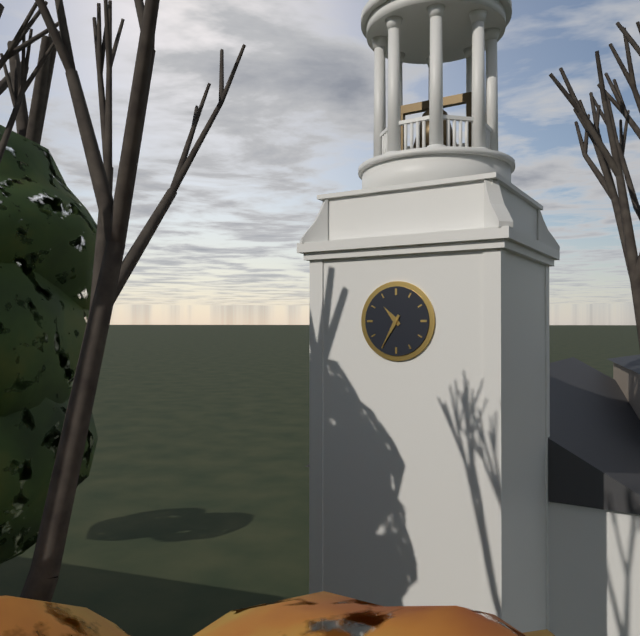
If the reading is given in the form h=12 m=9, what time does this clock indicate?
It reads h=10 m=35
